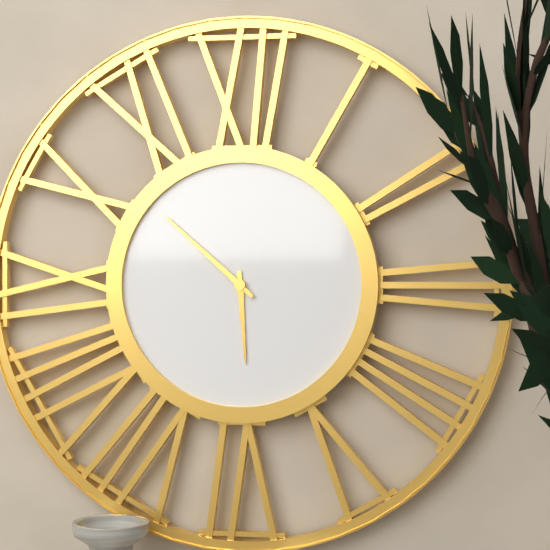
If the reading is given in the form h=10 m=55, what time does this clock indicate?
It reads h=5 m=52
